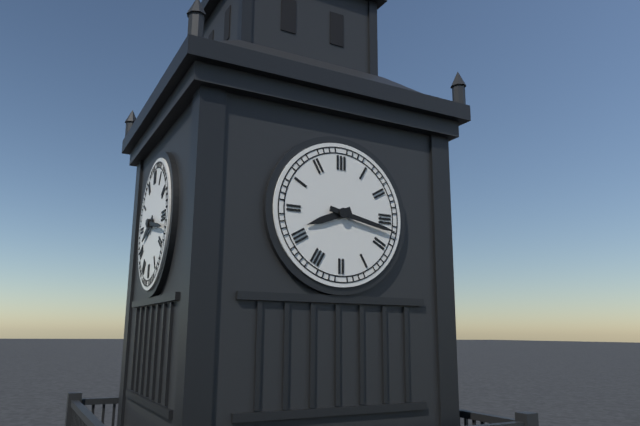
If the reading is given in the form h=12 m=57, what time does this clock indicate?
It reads h=8 m=17
